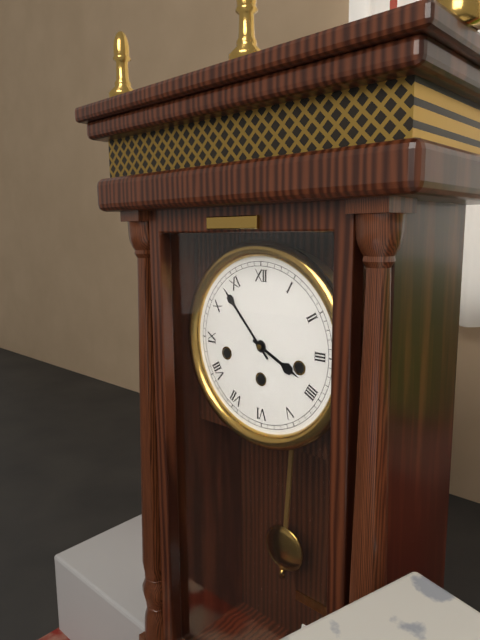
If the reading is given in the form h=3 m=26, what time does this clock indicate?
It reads h=3 m=53
